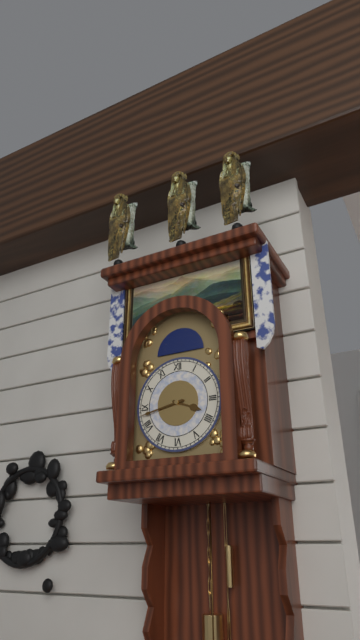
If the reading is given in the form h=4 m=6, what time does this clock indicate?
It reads h=3 m=43
